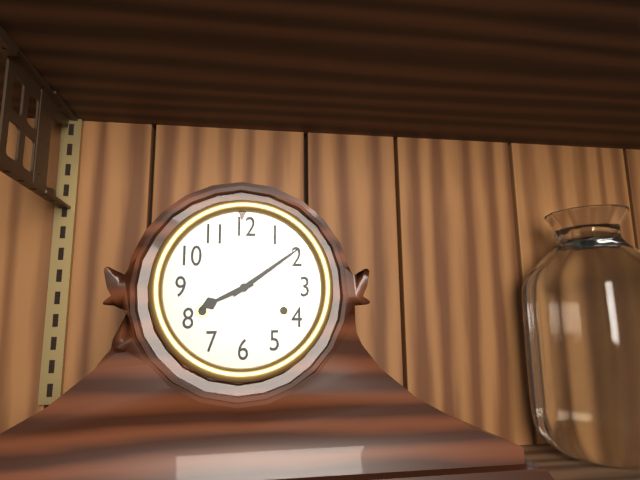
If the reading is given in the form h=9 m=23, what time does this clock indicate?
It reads h=8 m=9
